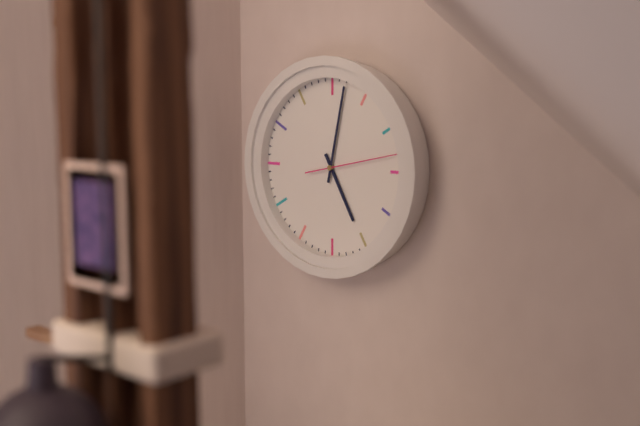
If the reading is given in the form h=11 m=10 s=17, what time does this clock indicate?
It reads h=5 m=2 s=13
